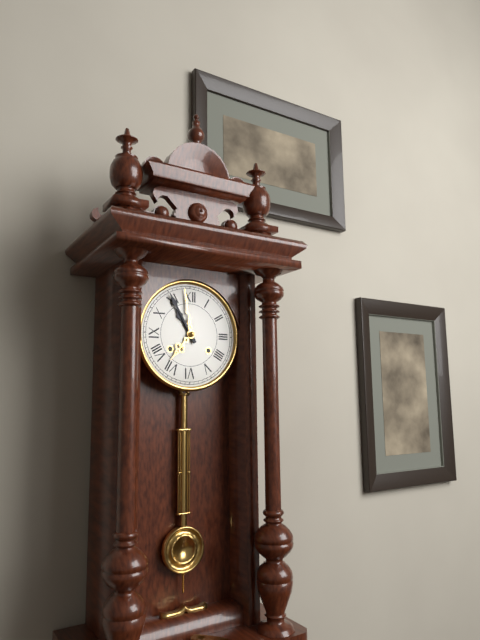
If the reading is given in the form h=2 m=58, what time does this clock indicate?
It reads h=10 m=55
